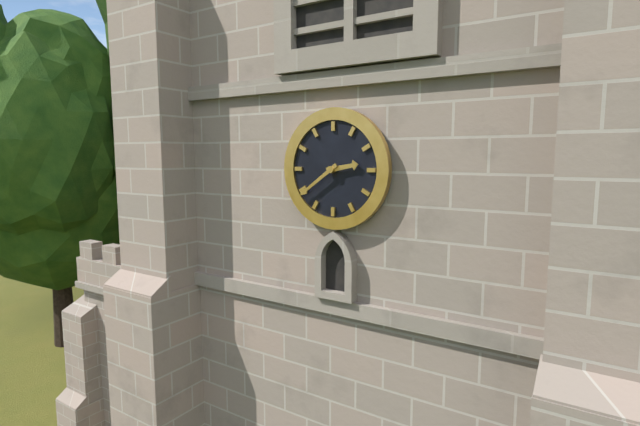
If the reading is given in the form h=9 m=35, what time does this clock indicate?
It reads h=2 m=39
